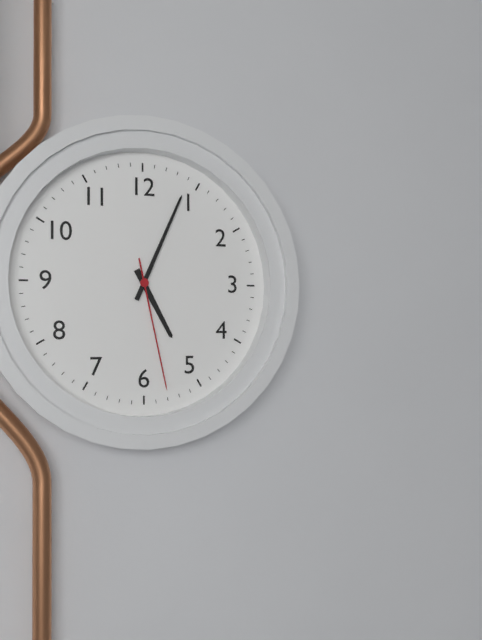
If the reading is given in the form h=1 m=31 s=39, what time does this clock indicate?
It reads h=5 m=4 s=28
